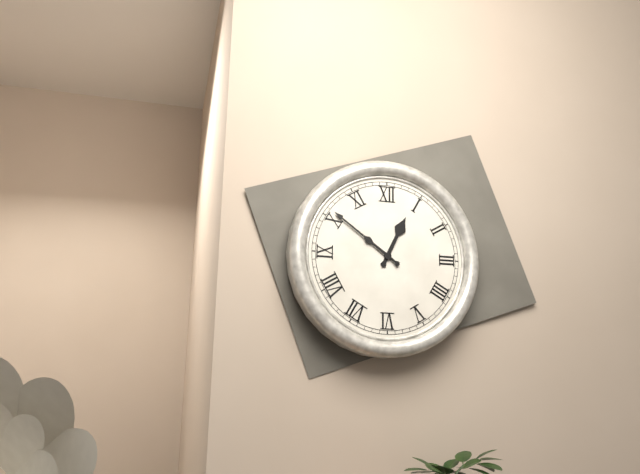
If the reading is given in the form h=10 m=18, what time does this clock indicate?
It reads h=12 m=51
